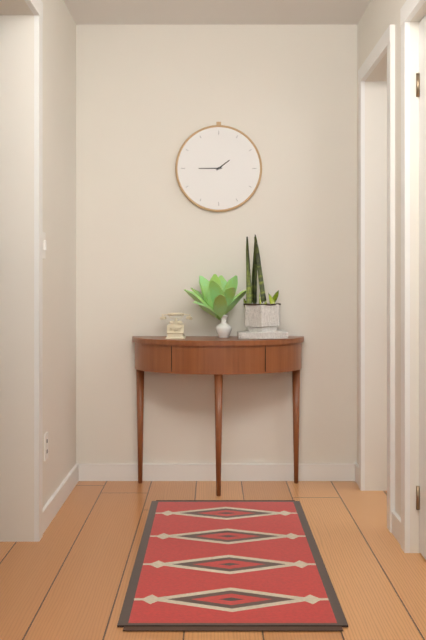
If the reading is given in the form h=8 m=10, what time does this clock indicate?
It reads h=1 m=45
